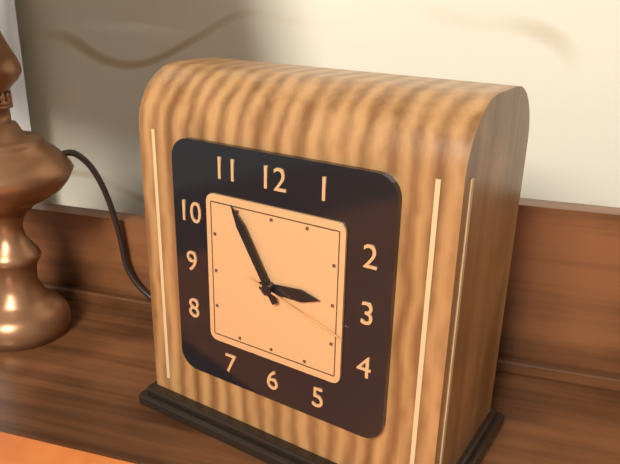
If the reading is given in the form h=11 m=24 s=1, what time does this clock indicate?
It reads h=2 m=55 s=18
